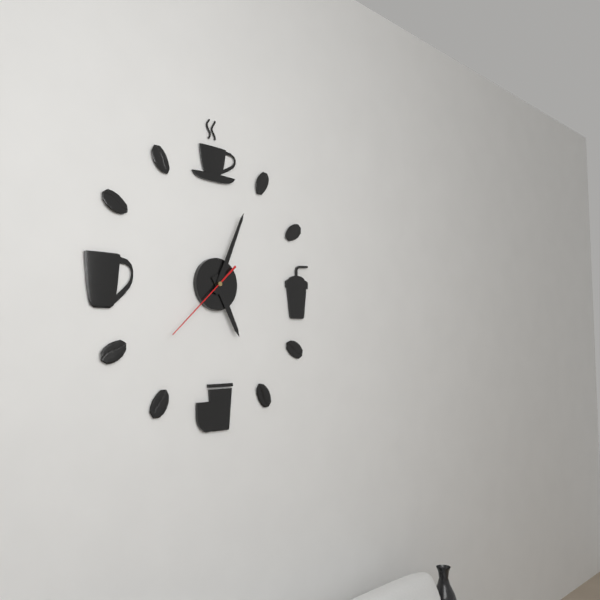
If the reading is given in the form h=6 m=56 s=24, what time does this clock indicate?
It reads h=5 m=4 s=38
